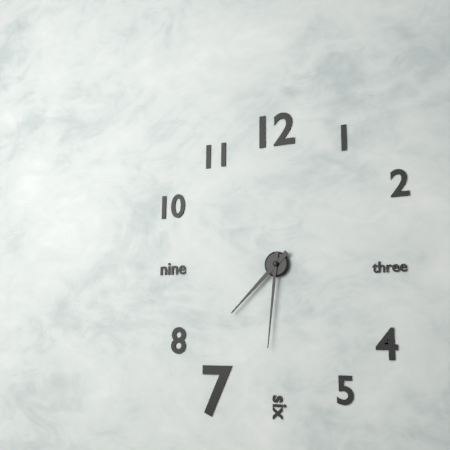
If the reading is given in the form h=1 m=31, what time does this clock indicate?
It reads h=7 m=31
